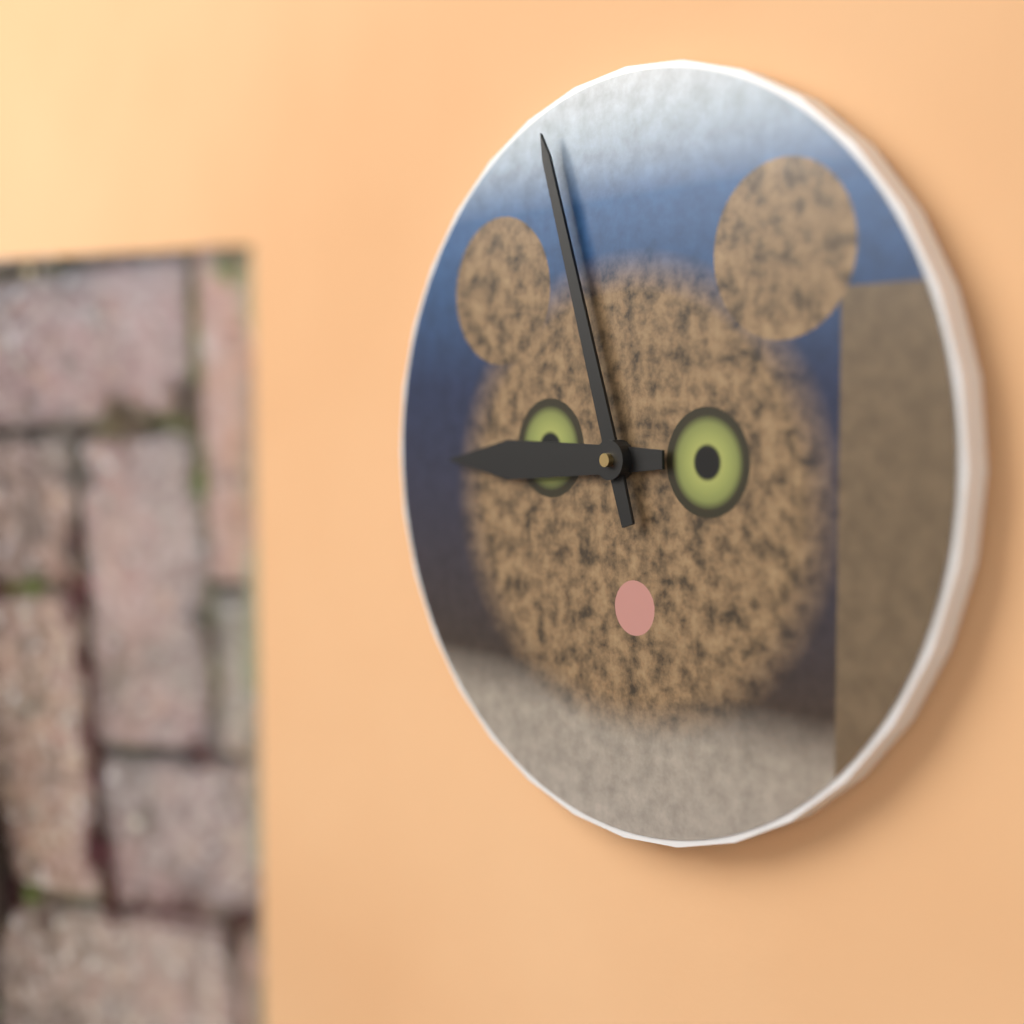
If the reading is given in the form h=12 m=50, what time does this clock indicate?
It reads h=8 m=57
